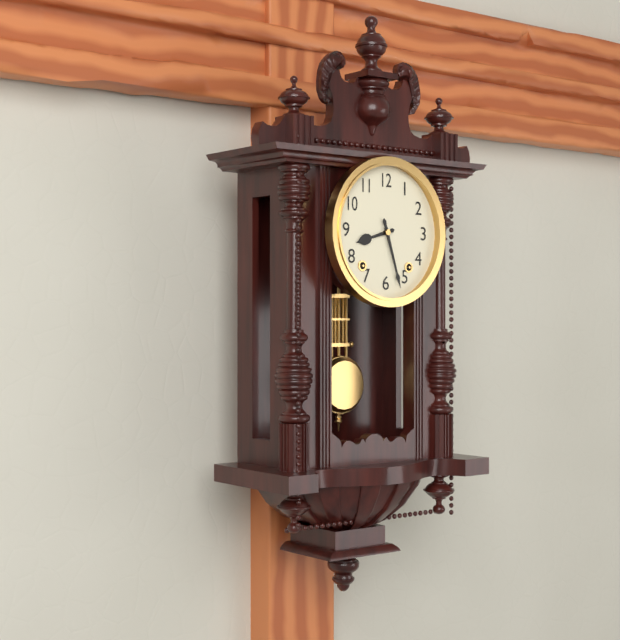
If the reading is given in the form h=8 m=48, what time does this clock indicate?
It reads h=8 m=27
